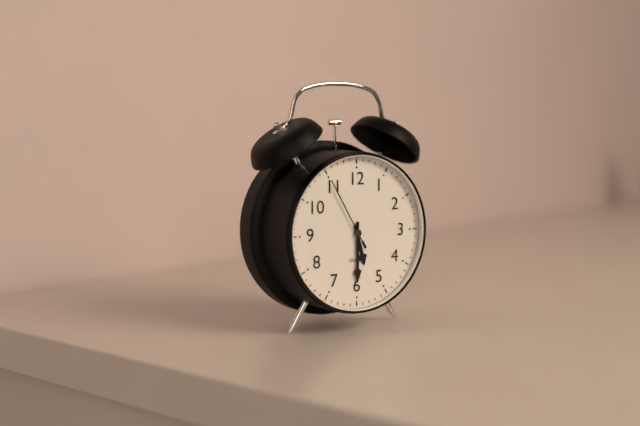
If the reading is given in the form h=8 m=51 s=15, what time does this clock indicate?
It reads h=5 m=30 s=55
